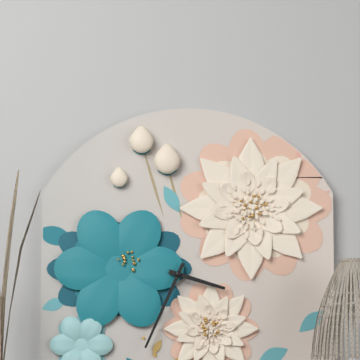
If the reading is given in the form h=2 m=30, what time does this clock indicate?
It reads h=3 m=34
